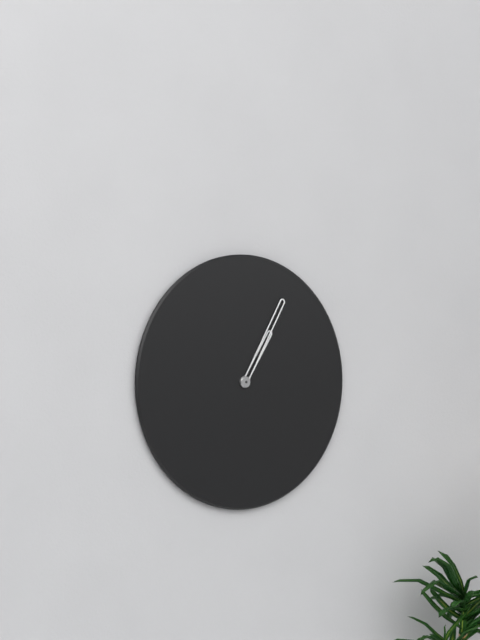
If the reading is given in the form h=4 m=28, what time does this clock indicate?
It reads h=1 m=5
